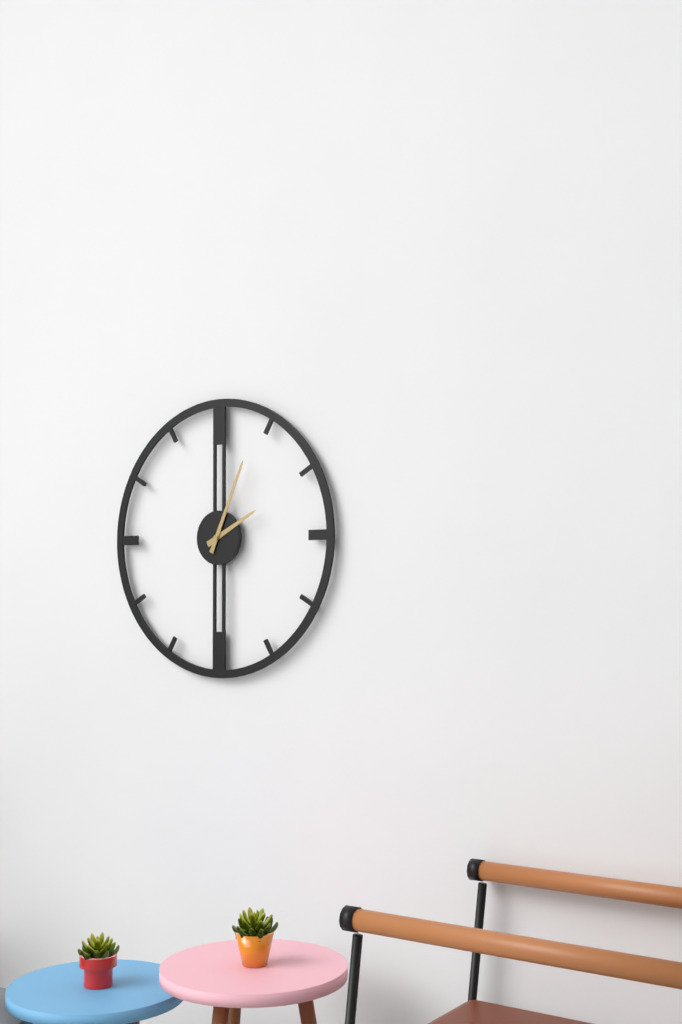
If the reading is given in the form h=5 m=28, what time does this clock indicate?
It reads h=2 m=4
